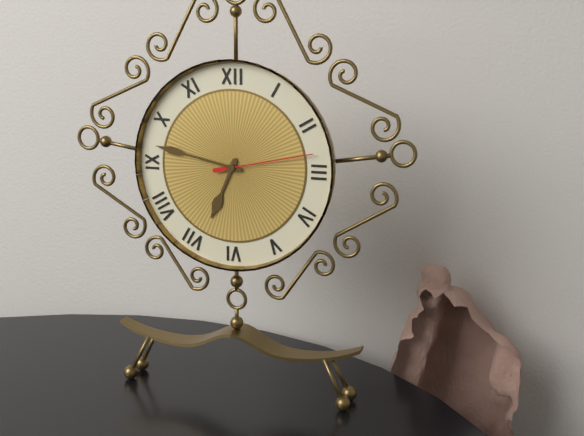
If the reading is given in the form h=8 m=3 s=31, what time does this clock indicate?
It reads h=6 m=47 s=13
